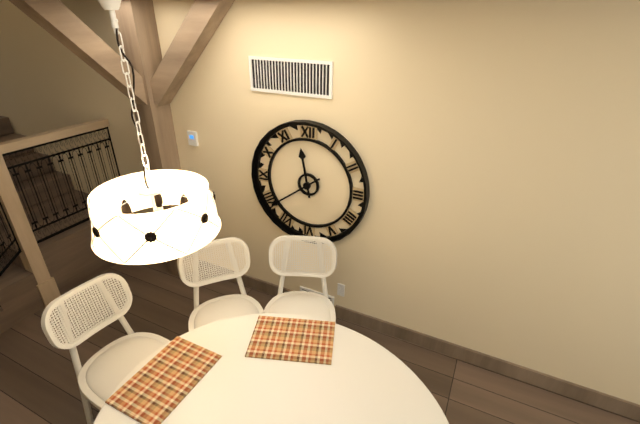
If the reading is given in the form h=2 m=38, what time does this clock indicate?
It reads h=11 m=39
